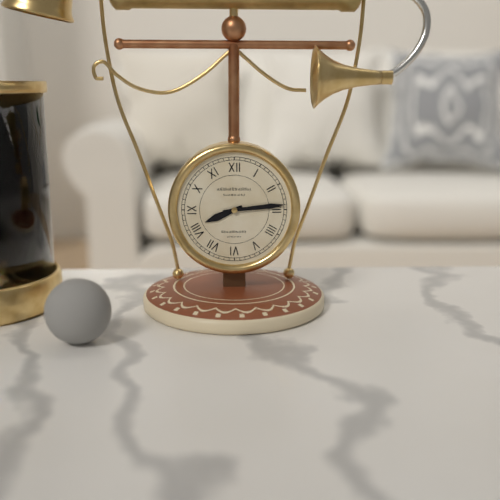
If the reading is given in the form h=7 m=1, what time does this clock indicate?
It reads h=8 m=14
